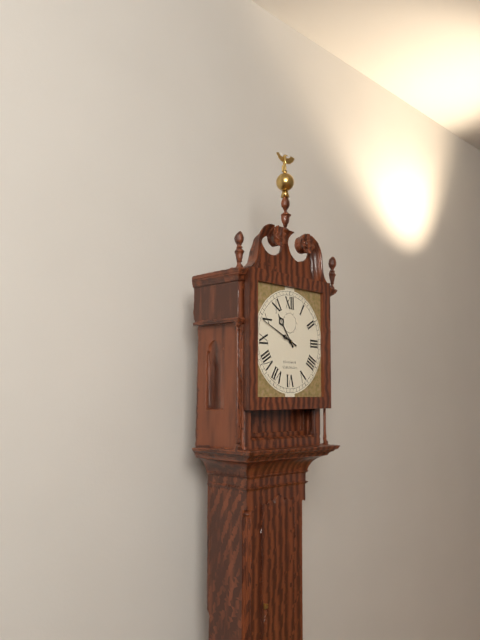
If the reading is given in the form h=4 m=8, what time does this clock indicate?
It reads h=10 m=49
